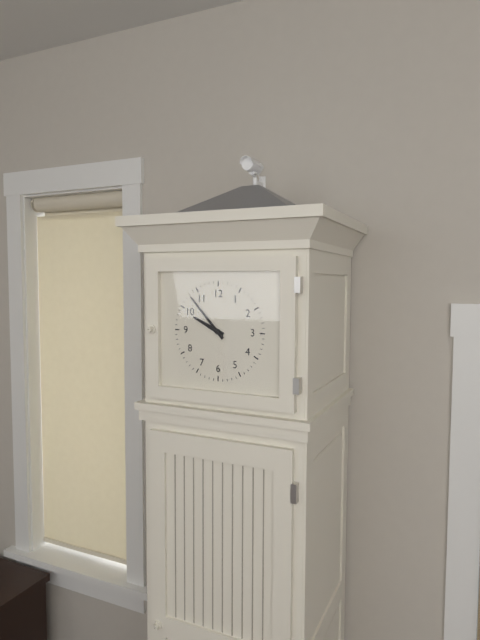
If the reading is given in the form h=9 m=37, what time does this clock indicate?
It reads h=9 m=53
